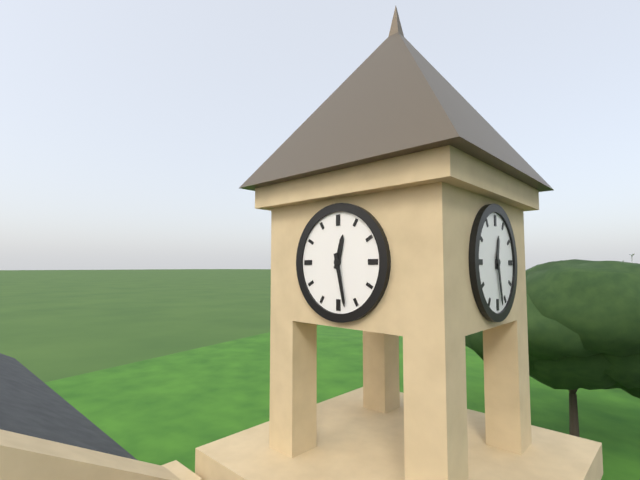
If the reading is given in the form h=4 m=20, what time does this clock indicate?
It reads h=12 m=28
